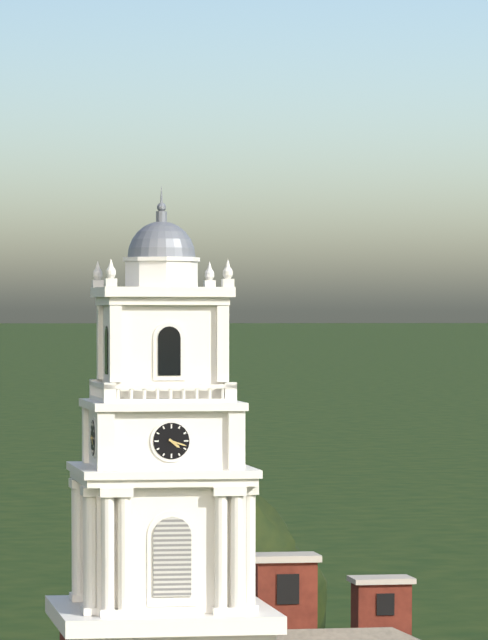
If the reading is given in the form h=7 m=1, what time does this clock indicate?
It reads h=4 m=18
